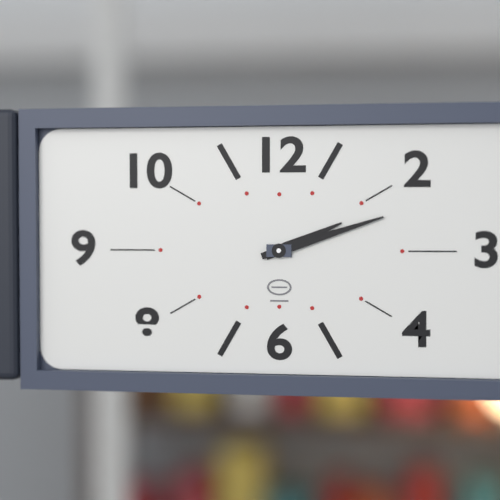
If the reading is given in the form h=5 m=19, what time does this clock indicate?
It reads h=2 m=12
